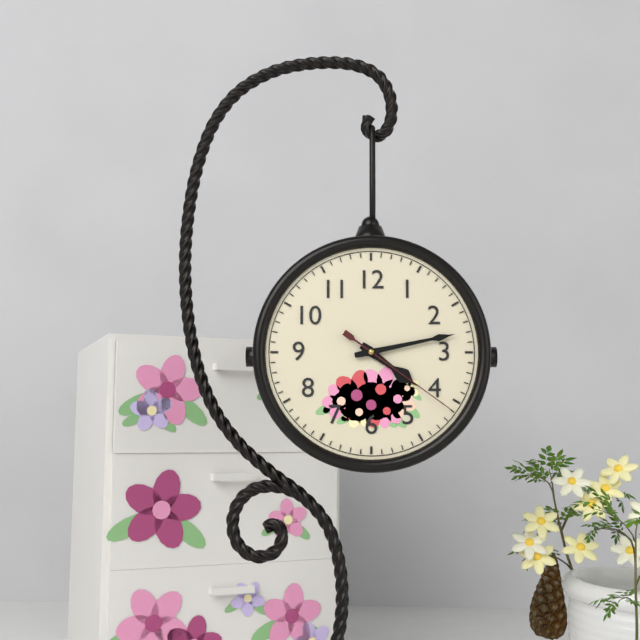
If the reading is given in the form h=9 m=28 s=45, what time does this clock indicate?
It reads h=4 m=13 s=21
